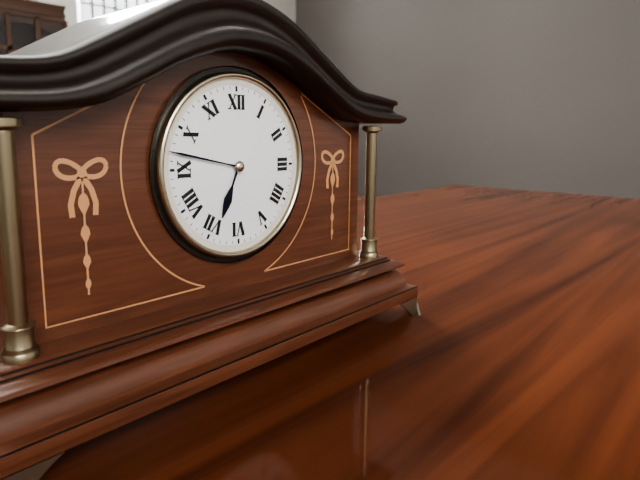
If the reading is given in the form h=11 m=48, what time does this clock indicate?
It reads h=6 m=47
